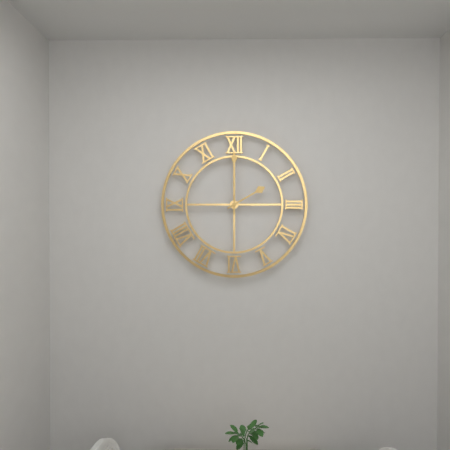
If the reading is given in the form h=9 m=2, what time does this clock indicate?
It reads h=2 m=0
